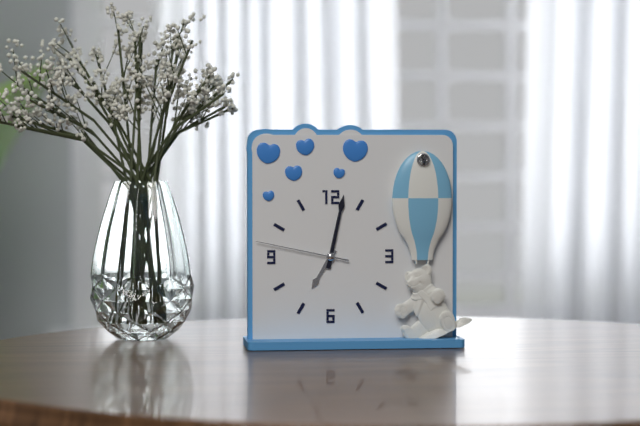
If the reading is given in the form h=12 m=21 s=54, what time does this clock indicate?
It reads h=7 m=2 s=47
